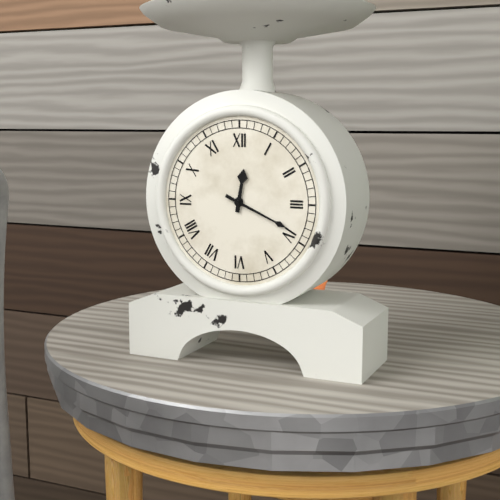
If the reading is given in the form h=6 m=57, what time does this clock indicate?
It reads h=12 m=19
